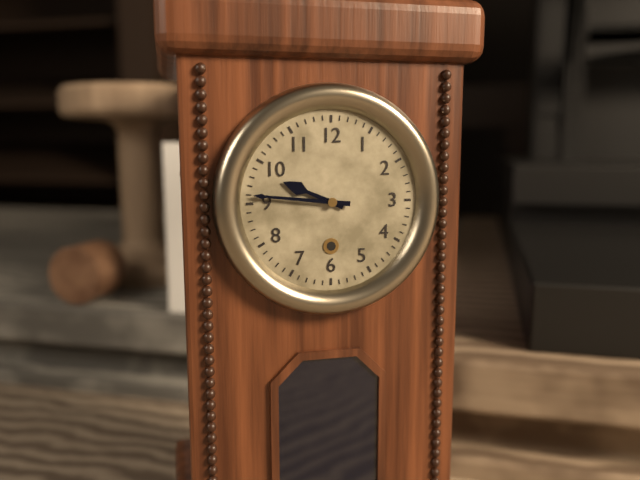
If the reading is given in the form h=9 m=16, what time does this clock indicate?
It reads h=9 m=46
